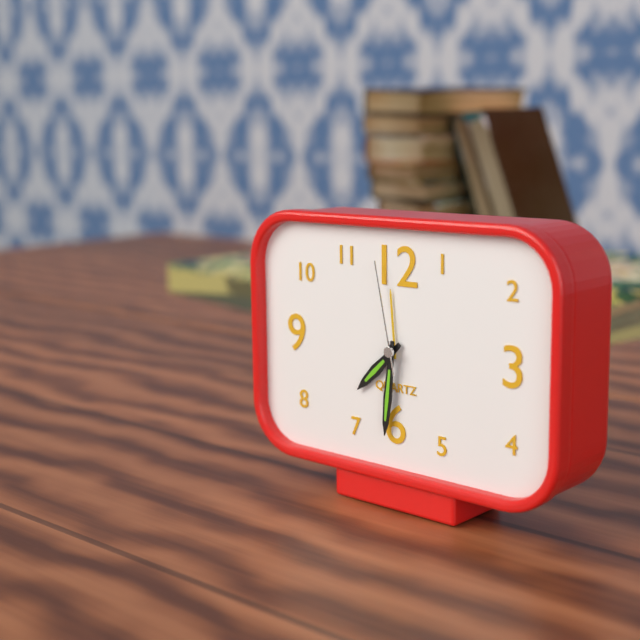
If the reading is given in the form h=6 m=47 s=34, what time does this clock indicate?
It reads h=7 m=31 s=58
